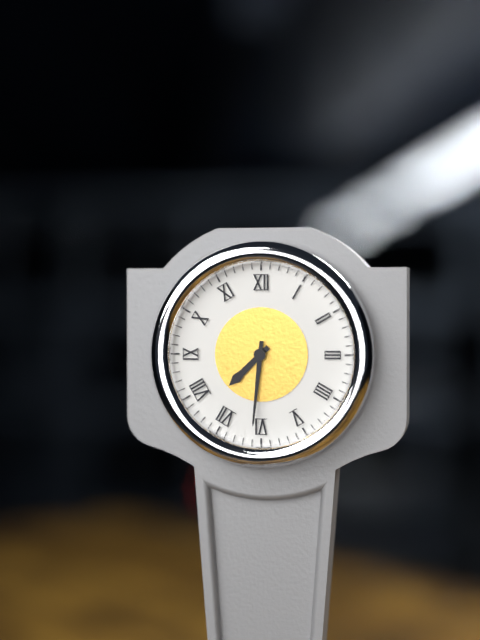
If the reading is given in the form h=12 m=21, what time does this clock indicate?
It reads h=7 m=31
